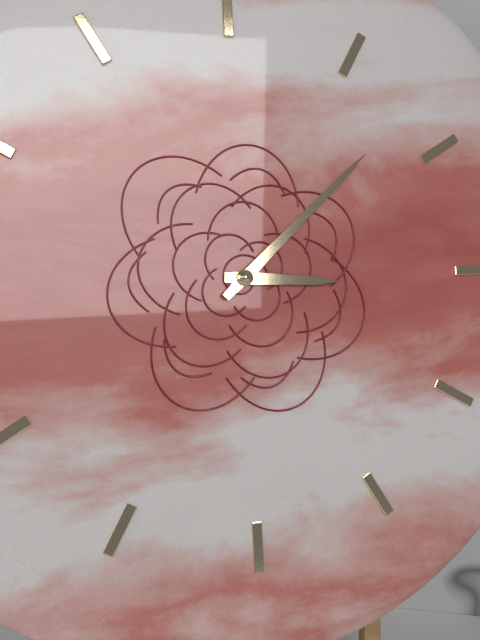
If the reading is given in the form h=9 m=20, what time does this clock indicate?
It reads h=3 m=8
